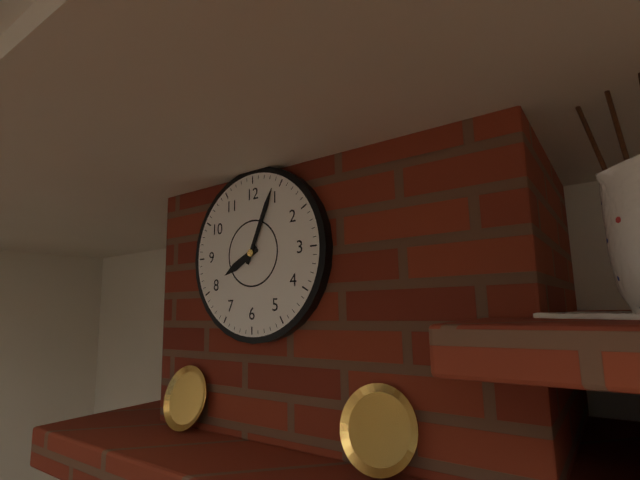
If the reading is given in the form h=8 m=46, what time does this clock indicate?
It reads h=8 m=4
